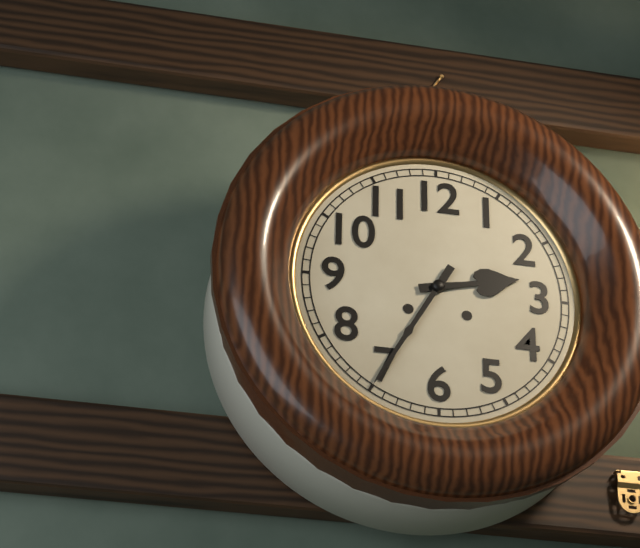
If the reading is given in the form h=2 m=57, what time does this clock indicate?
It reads h=2 m=35
